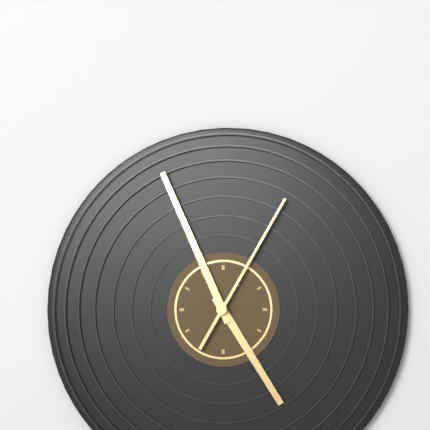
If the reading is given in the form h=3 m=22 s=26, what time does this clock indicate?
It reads h=4 m=56 s=5
